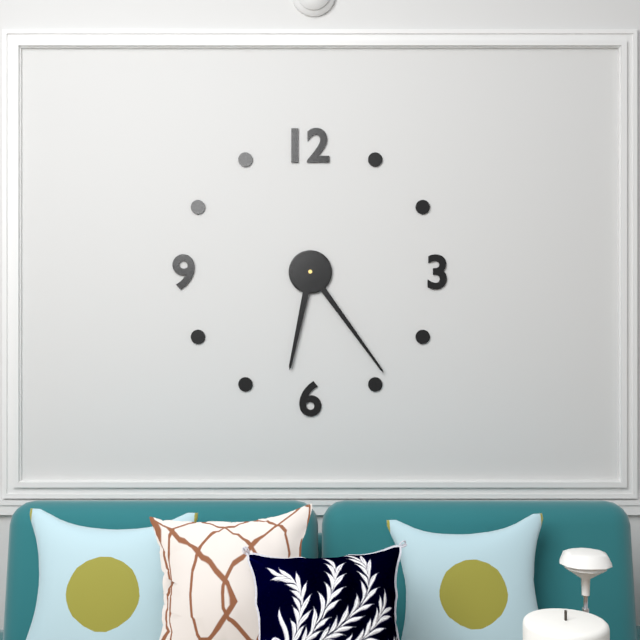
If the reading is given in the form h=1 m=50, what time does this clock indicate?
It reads h=6 m=24
